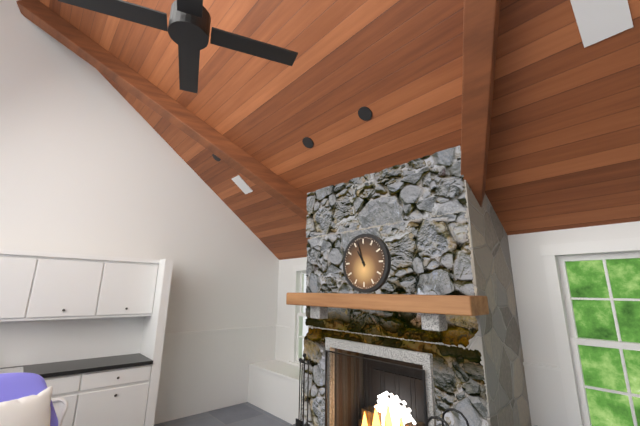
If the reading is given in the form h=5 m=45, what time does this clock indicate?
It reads h=10 m=57
